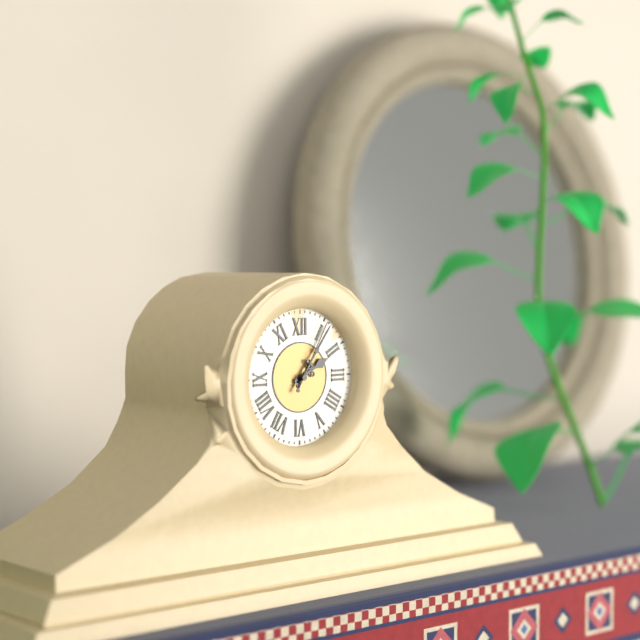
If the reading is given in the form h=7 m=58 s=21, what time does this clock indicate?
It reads h=2 m=6 s=5
